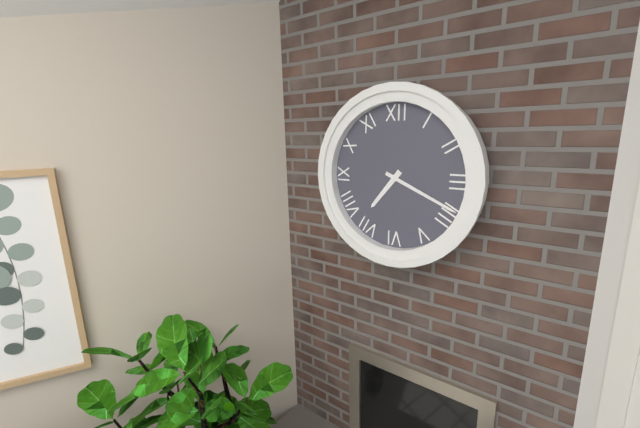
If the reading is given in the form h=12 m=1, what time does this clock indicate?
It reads h=7 m=19
